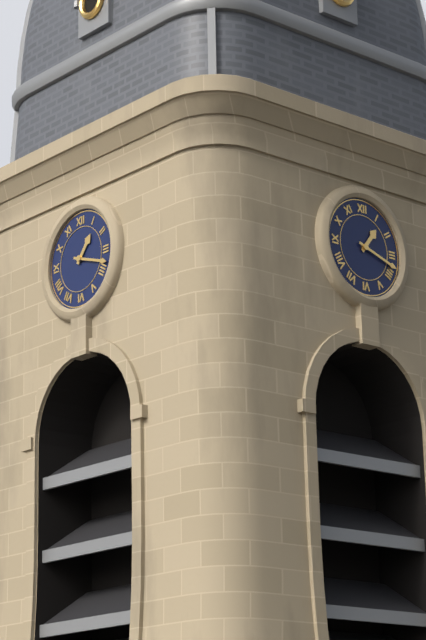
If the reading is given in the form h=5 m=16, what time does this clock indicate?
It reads h=1 m=18
